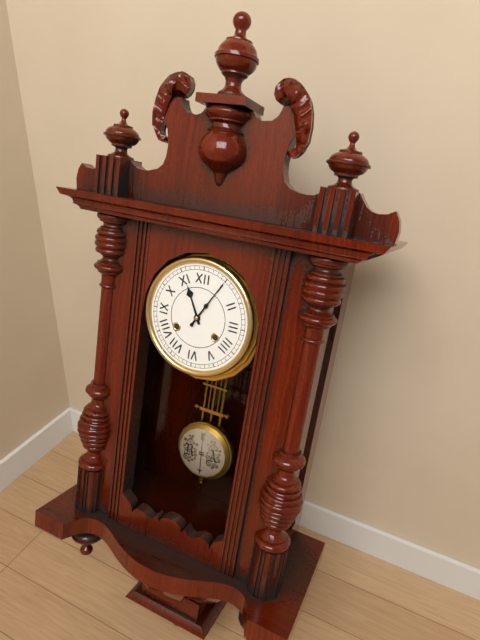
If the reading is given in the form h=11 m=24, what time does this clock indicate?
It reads h=11 m=5
